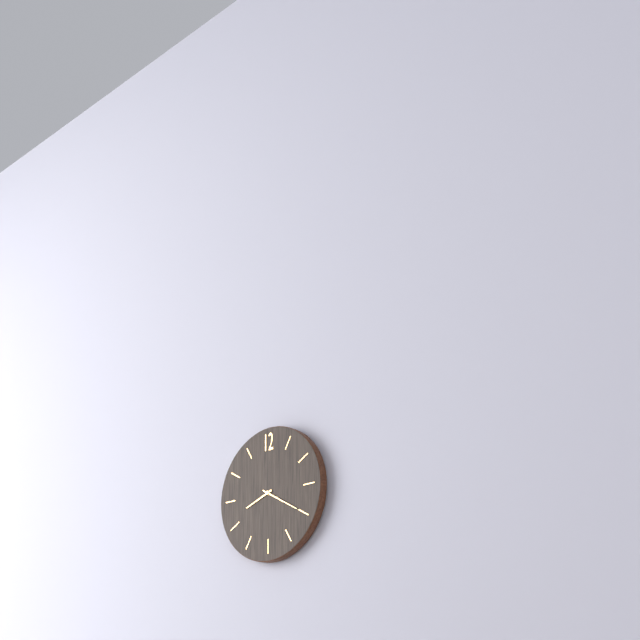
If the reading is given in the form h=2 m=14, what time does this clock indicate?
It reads h=8 m=20
